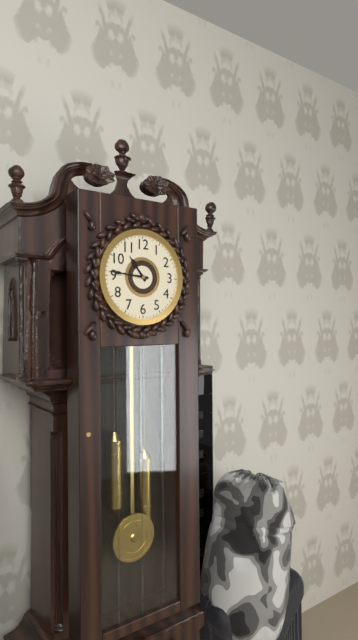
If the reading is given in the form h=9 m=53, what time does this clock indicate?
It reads h=10 m=46
